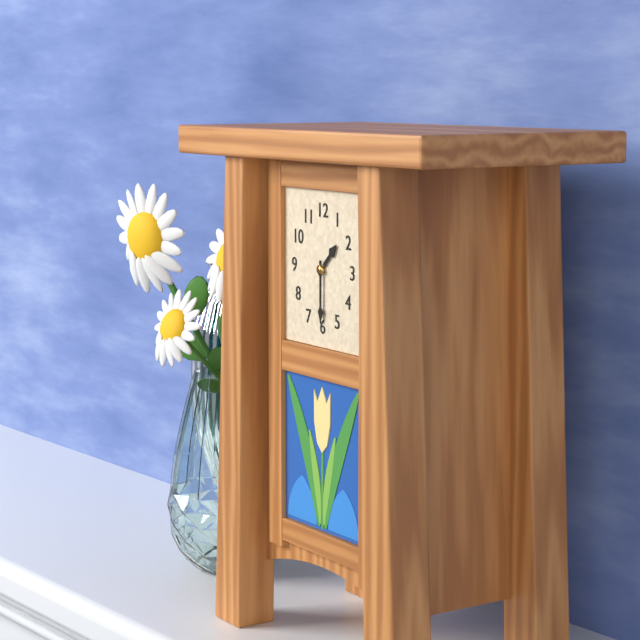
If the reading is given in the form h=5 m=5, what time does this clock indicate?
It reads h=1 m=30
